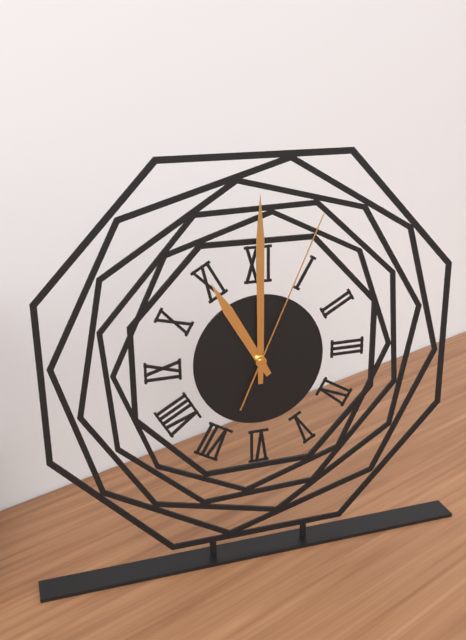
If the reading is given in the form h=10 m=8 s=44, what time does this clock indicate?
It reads h=11 m=0 s=4
